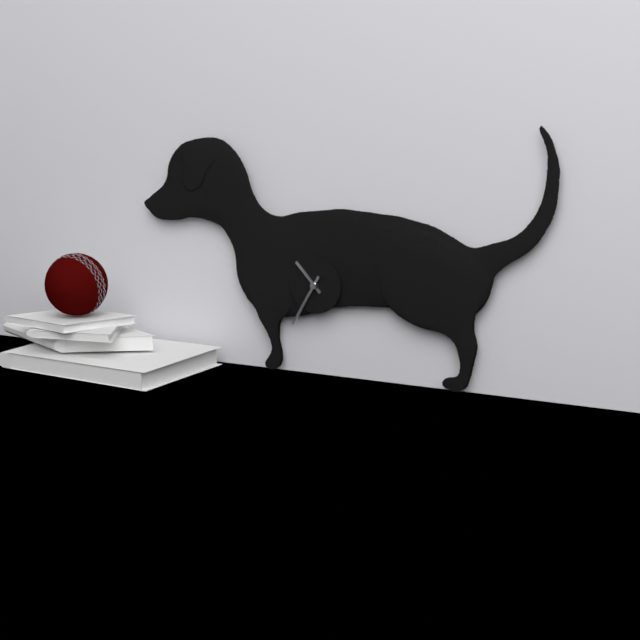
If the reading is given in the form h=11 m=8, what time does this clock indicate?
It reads h=10 m=35
